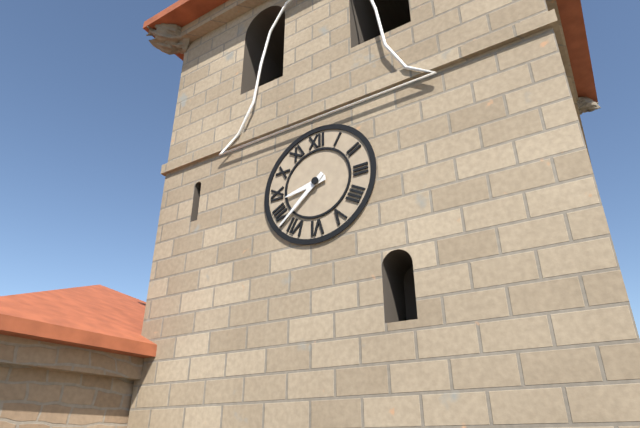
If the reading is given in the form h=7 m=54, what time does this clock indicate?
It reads h=8 m=38
